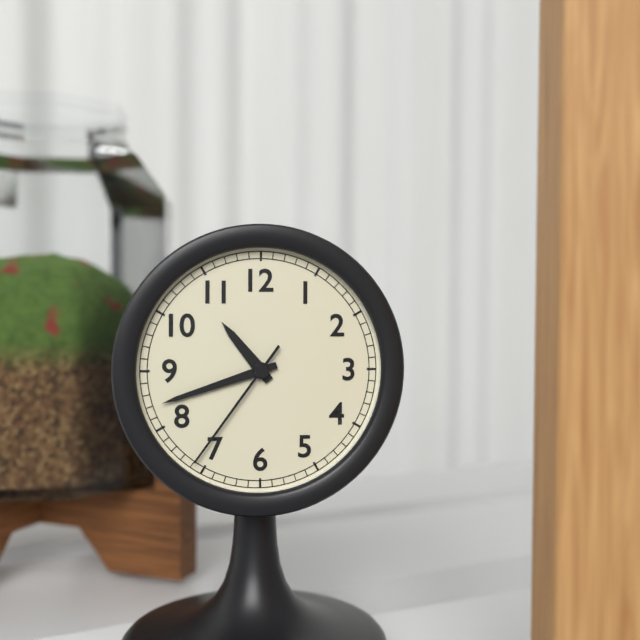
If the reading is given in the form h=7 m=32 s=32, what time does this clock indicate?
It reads h=10 m=42 s=36
